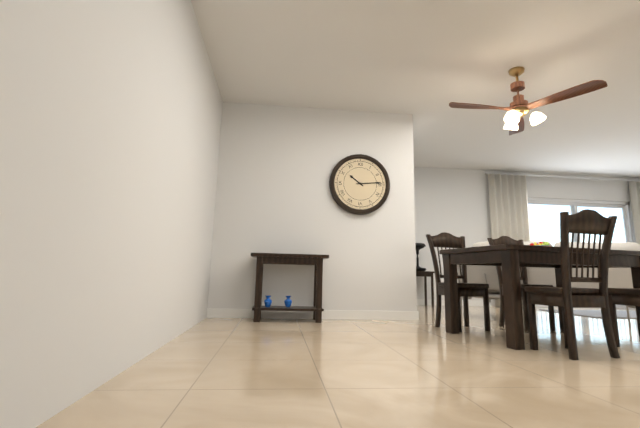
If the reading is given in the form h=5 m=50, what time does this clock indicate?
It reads h=10 m=14
